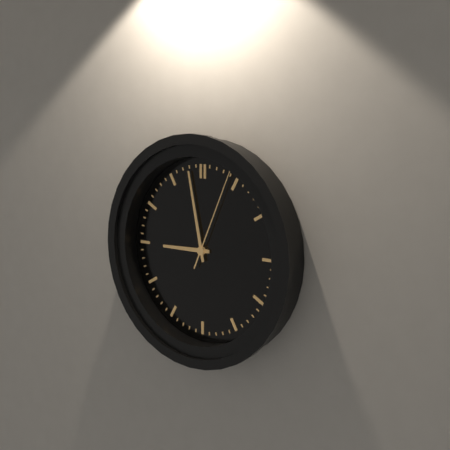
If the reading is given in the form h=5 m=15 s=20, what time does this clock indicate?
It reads h=8 m=58 s=4
